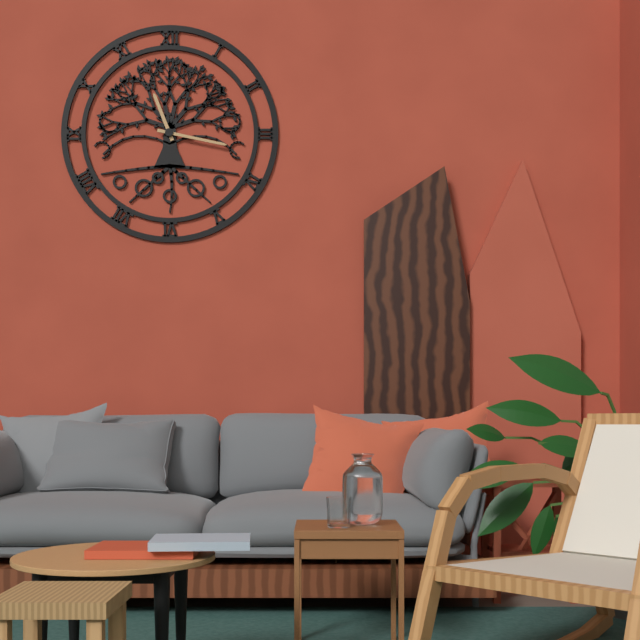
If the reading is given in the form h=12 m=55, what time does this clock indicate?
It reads h=11 m=17
